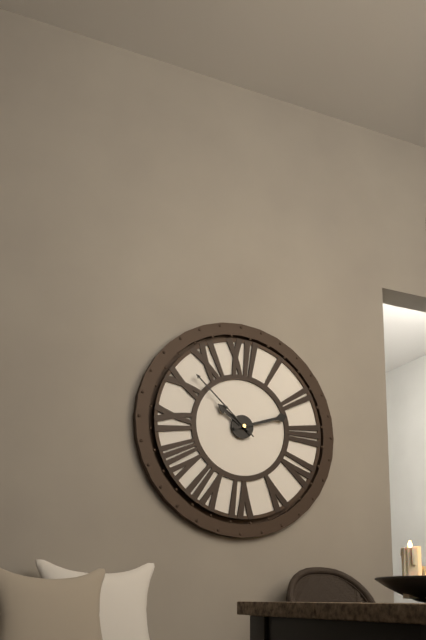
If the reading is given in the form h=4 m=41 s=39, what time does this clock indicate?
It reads h=10 m=12 s=52
